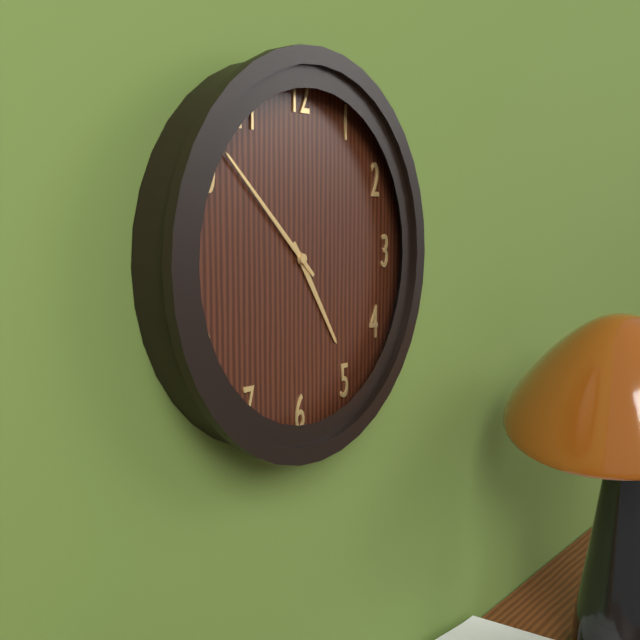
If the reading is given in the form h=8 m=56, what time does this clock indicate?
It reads h=4 m=52
